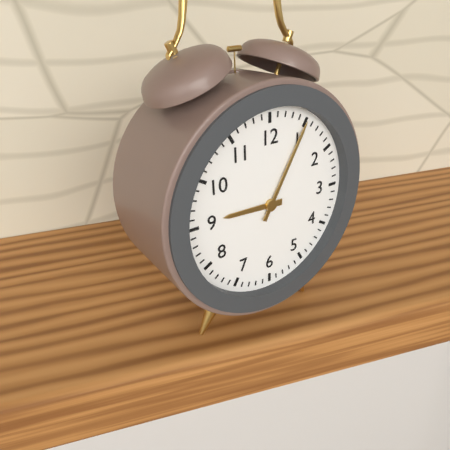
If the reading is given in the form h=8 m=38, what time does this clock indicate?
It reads h=9 m=5
